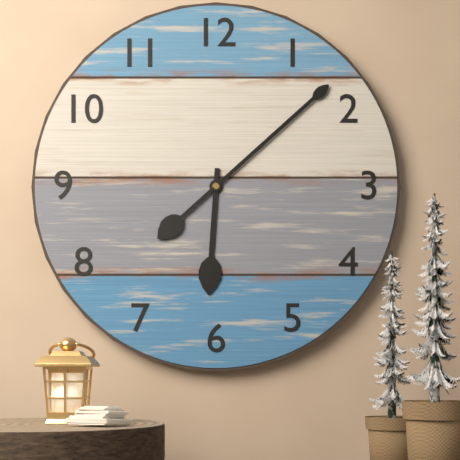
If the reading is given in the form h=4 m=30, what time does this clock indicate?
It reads h=6 m=8
